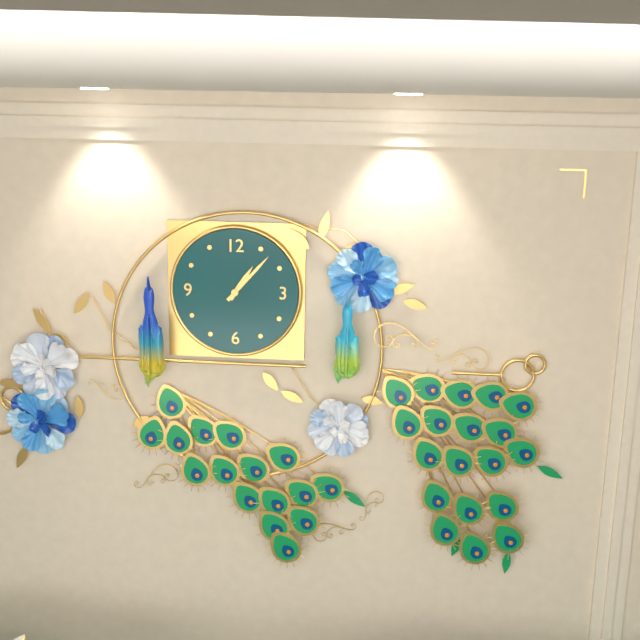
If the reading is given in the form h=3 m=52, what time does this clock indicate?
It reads h=1 m=7
